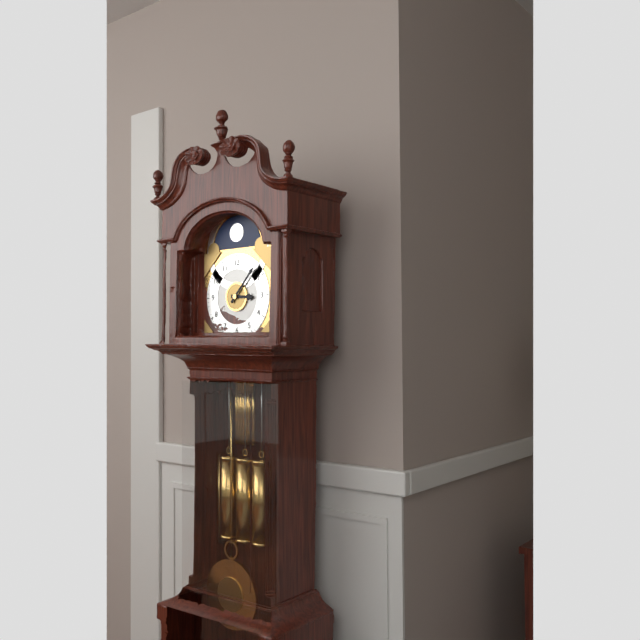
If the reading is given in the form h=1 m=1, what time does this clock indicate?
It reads h=3 m=7
